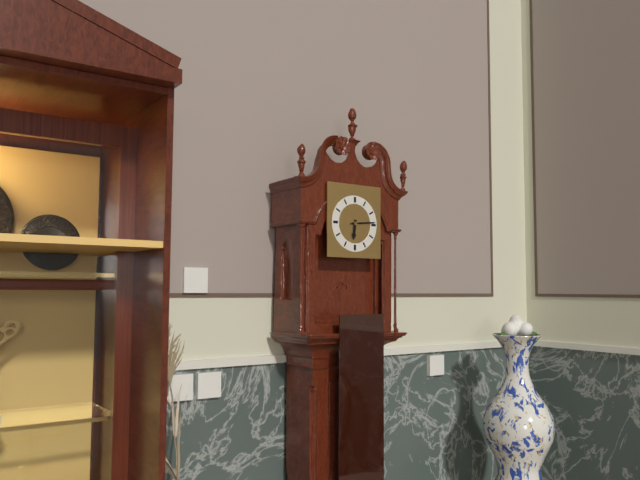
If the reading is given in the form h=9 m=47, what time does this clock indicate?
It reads h=6 m=14
